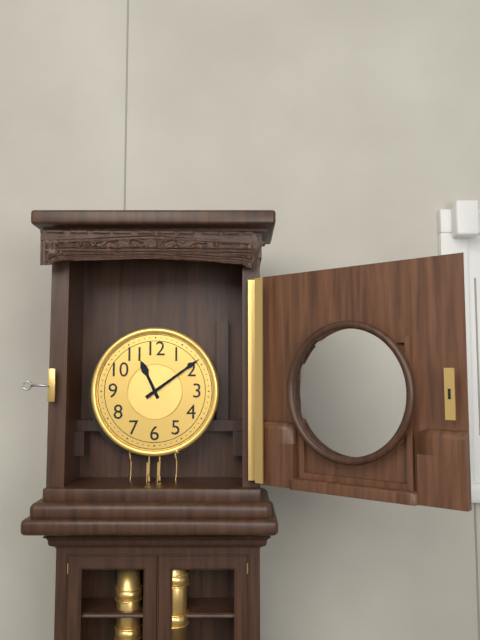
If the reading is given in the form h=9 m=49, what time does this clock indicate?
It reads h=11 m=9
